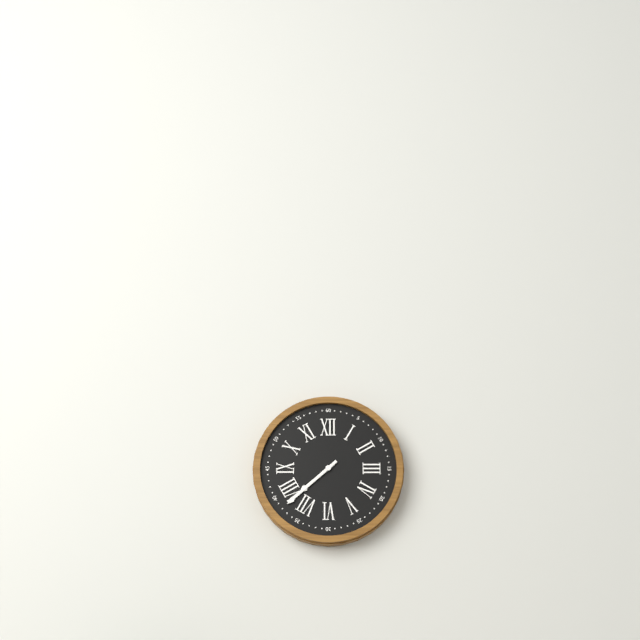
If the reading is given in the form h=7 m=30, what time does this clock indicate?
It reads h=7 m=38
